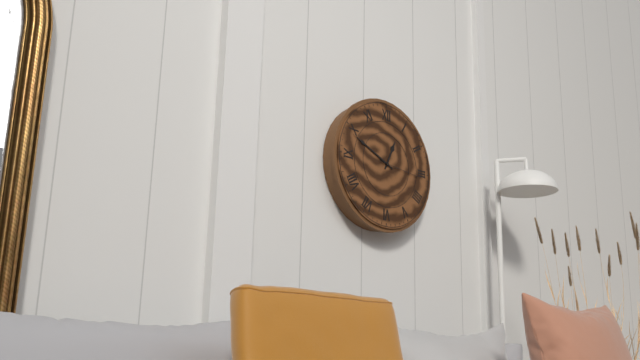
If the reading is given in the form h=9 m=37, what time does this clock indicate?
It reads h=12 m=49
